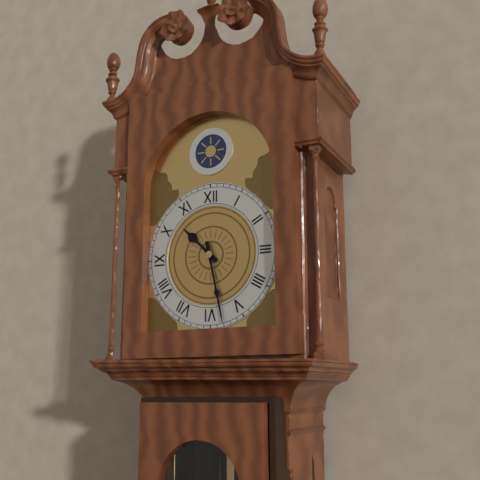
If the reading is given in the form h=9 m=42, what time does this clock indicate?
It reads h=10 m=28
